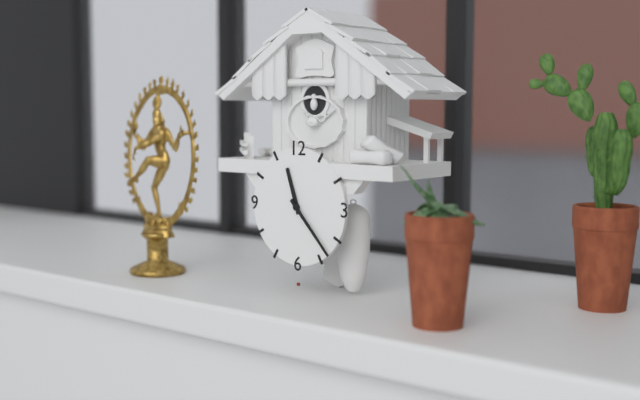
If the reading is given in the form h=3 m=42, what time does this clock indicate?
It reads h=11 m=23
